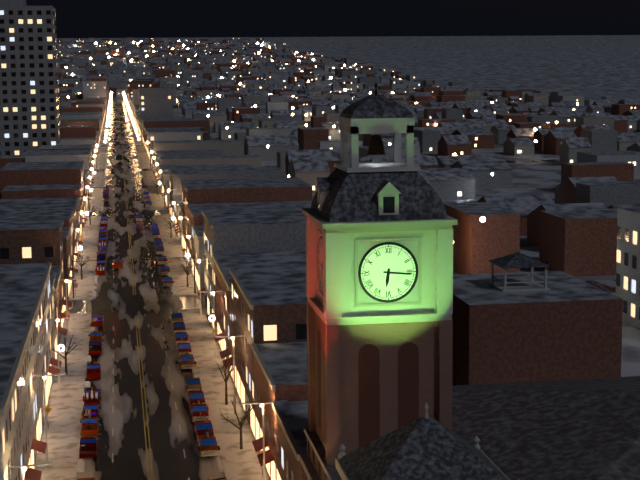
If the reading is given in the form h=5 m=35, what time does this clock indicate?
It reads h=6 m=16
